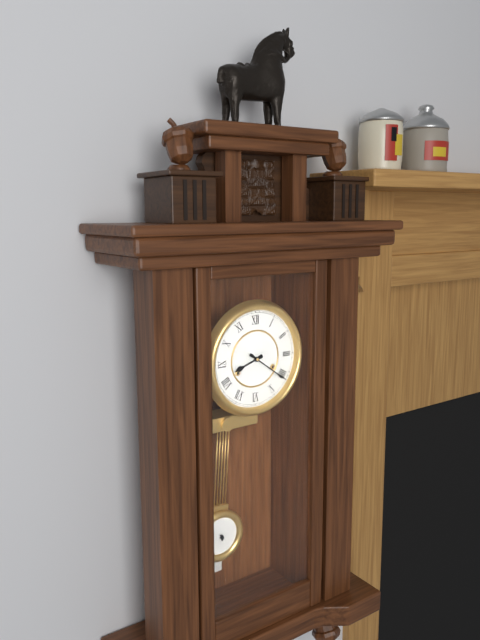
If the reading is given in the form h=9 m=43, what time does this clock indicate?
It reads h=8 m=21
